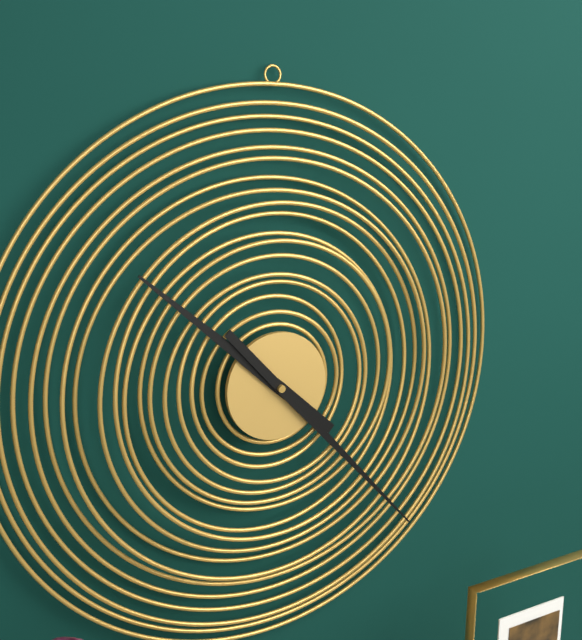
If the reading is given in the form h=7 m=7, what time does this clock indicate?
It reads h=10 m=23
